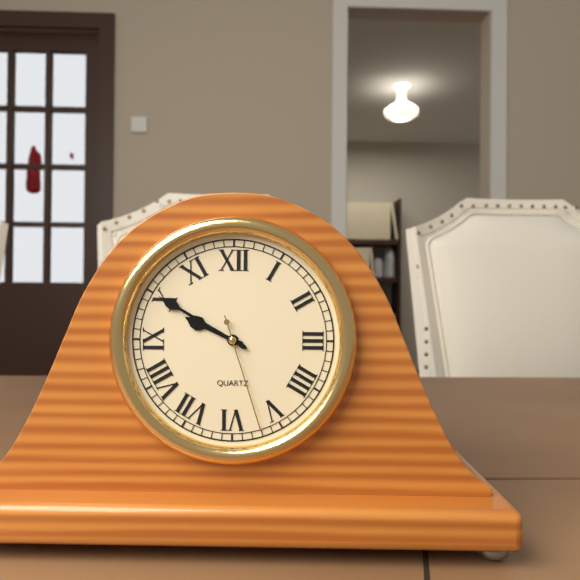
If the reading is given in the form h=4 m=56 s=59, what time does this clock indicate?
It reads h=9 m=50 s=27
